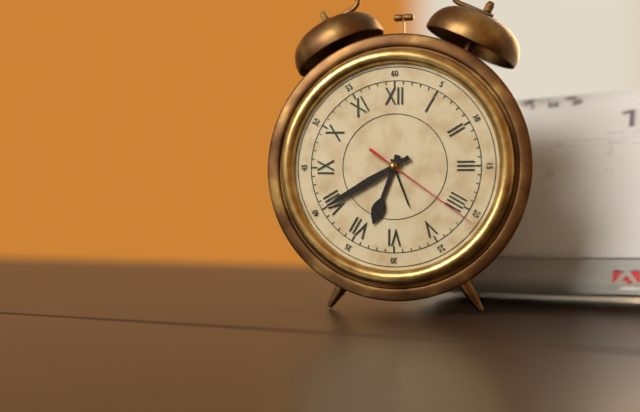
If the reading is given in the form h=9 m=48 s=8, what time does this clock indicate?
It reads h=6 m=40 s=21
